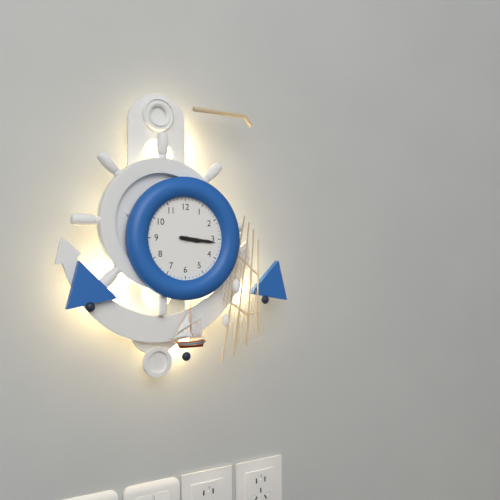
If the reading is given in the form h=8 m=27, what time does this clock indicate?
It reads h=3 m=16
